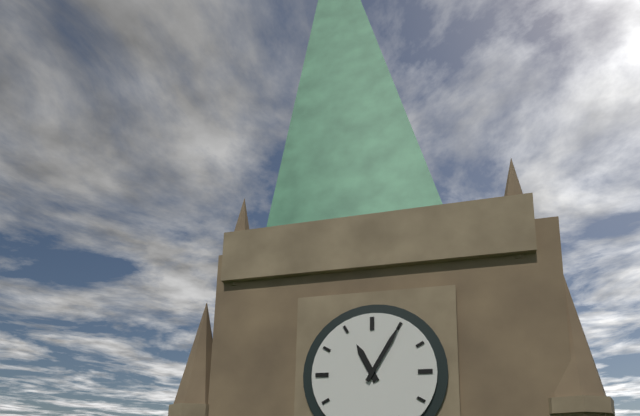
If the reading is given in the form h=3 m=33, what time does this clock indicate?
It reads h=11 m=5
